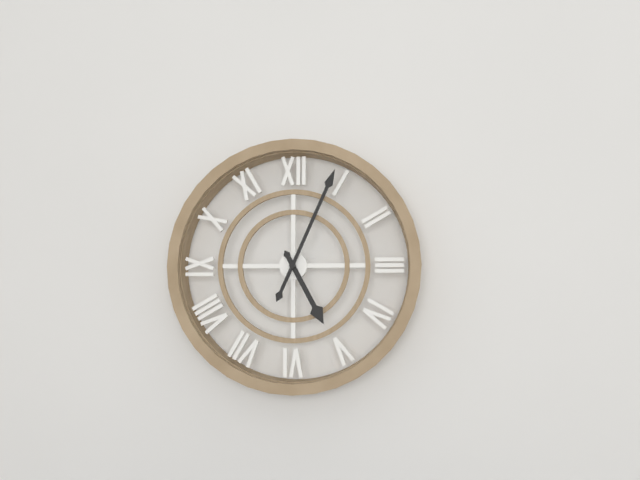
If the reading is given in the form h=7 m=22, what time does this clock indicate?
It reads h=5 m=4
